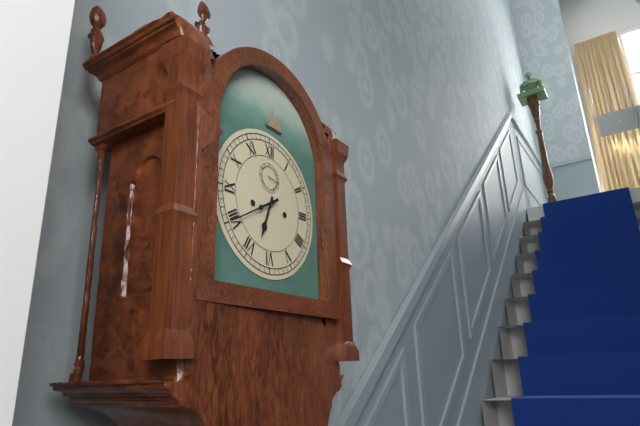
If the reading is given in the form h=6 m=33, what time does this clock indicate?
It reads h=6 m=40
